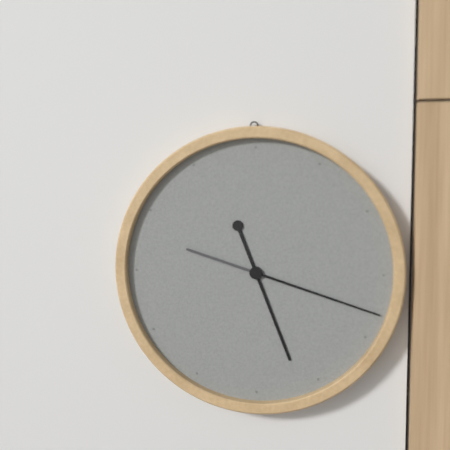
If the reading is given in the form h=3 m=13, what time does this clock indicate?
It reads h=5 m=18
